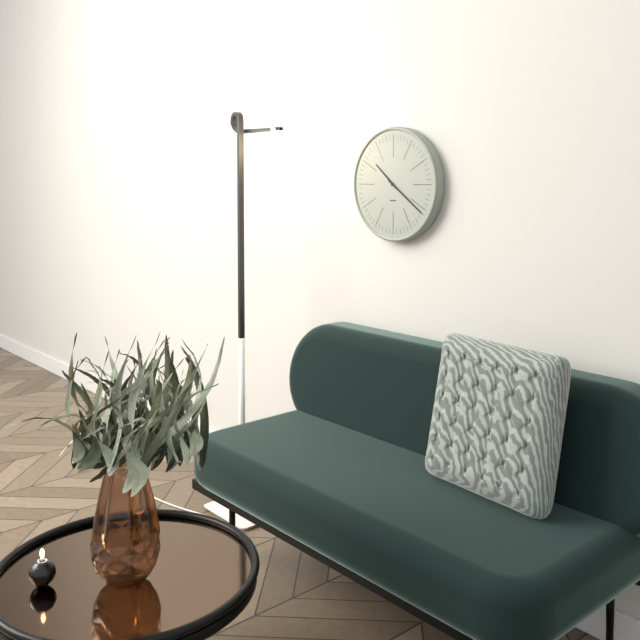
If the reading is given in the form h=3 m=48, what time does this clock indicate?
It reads h=10 m=21
